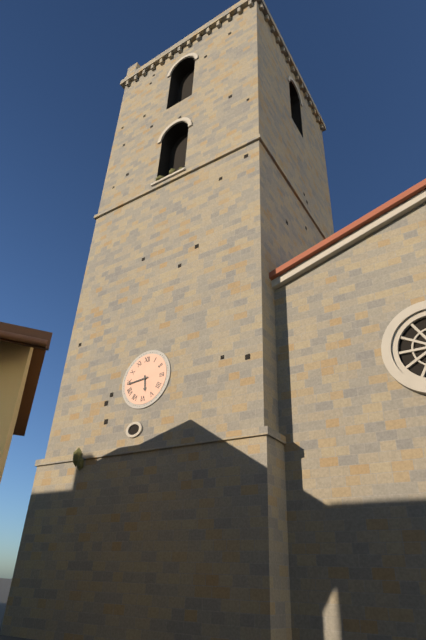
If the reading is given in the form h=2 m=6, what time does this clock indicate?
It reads h=5 m=44
